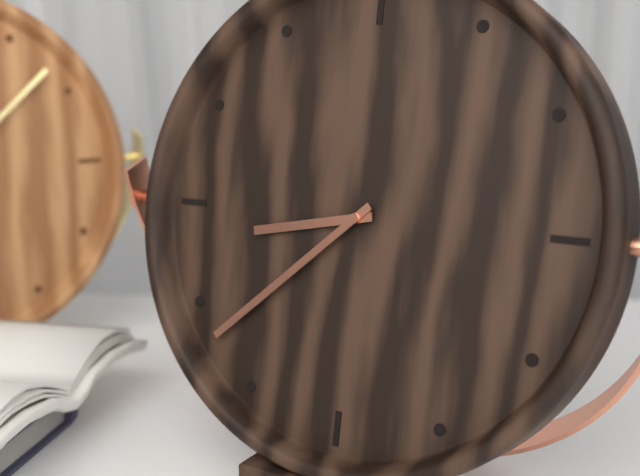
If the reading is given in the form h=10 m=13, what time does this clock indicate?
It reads h=8 m=38
